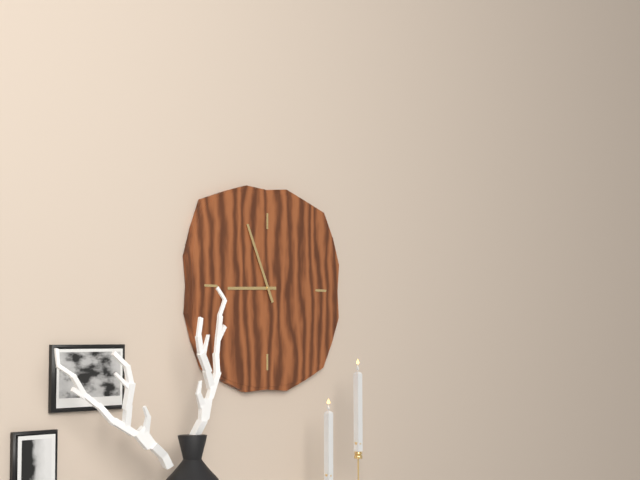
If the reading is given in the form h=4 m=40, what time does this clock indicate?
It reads h=8 m=56
